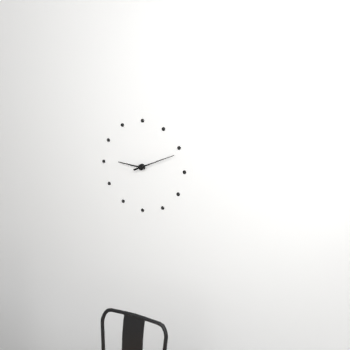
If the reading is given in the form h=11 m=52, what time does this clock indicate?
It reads h=9 m=11
